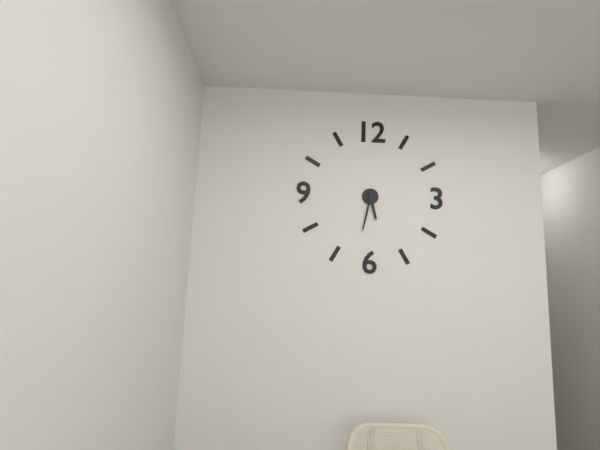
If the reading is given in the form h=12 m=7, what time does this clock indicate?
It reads h=5 m=32
